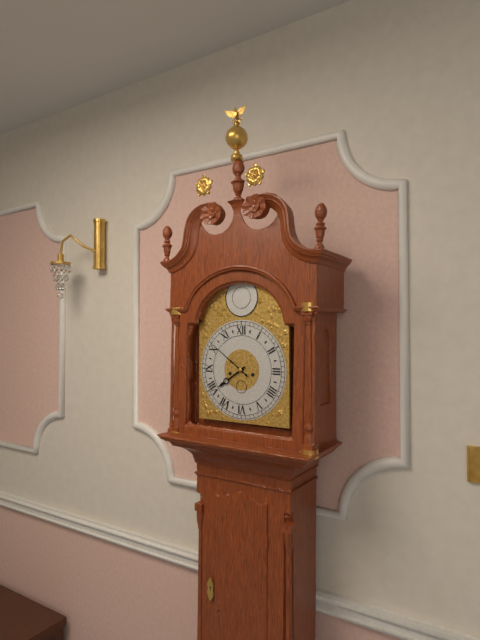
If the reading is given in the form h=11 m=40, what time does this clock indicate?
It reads h=7 m=51
